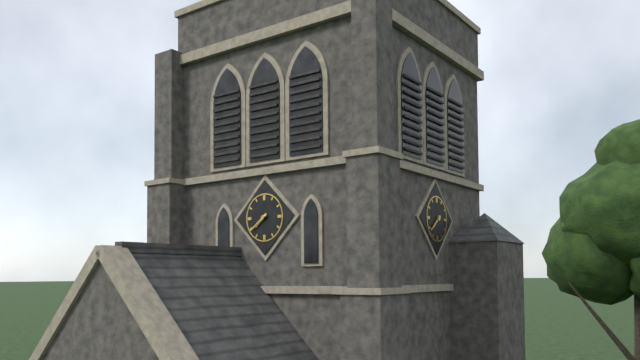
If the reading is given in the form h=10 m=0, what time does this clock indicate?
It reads h=7 m=39
